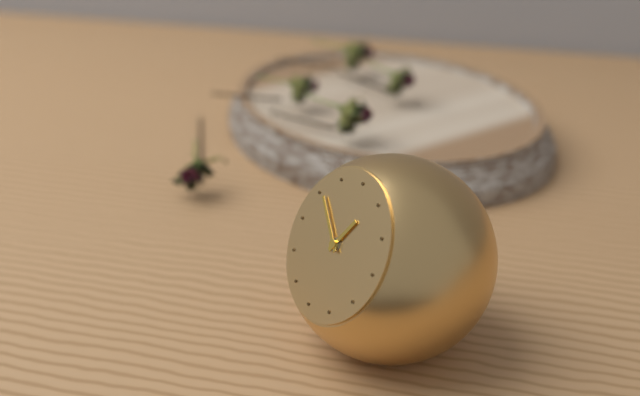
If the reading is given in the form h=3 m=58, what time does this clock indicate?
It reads h=12 m=51
